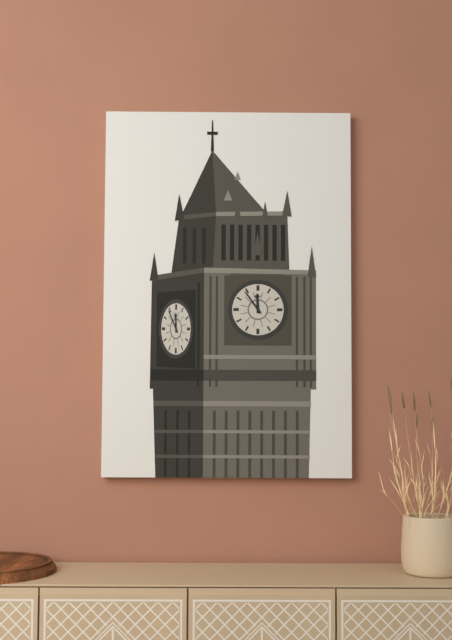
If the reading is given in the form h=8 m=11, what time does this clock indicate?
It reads h=11 m=54
